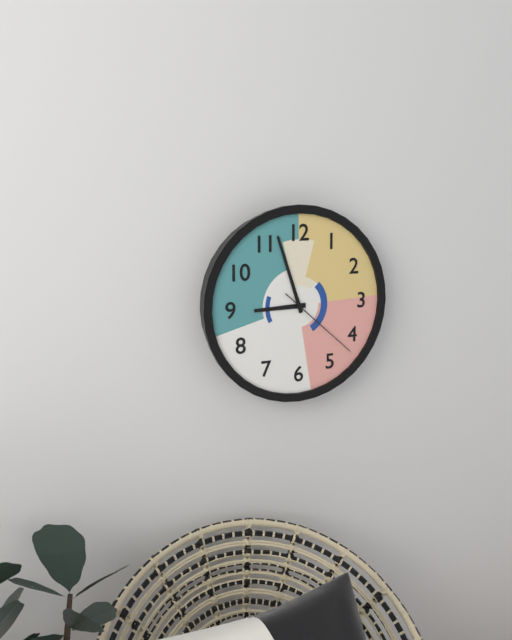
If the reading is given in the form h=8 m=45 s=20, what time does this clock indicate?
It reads h=8 m=57 s=22
